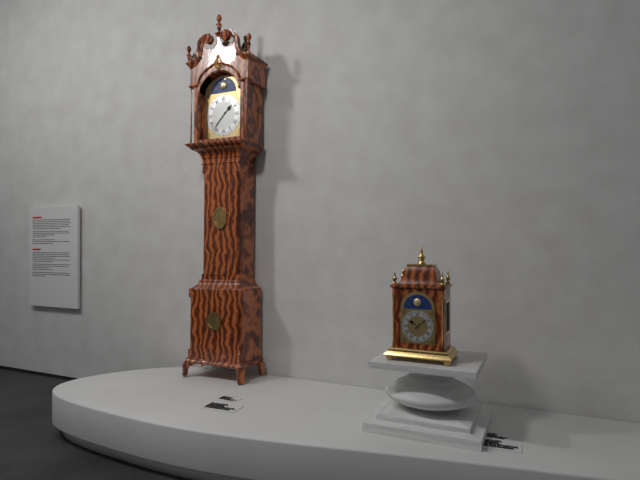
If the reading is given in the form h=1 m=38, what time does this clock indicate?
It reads h=1 m=37
